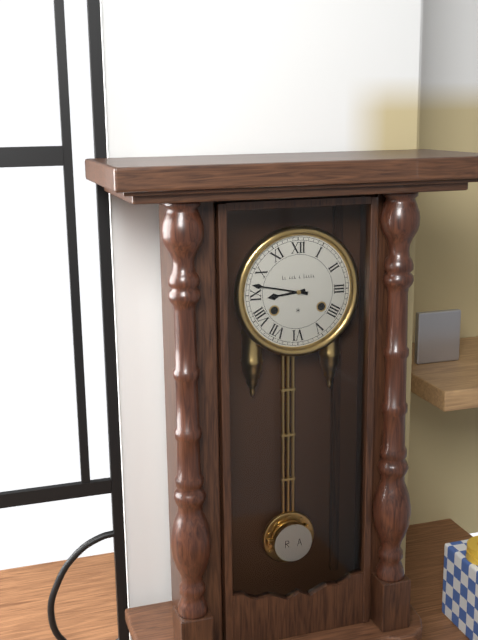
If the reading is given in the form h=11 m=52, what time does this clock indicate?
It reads h=8 m=47
